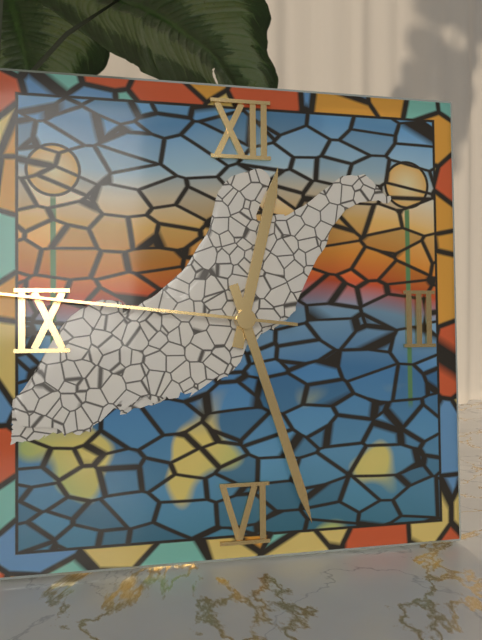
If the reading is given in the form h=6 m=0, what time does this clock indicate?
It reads h=12 m=27
